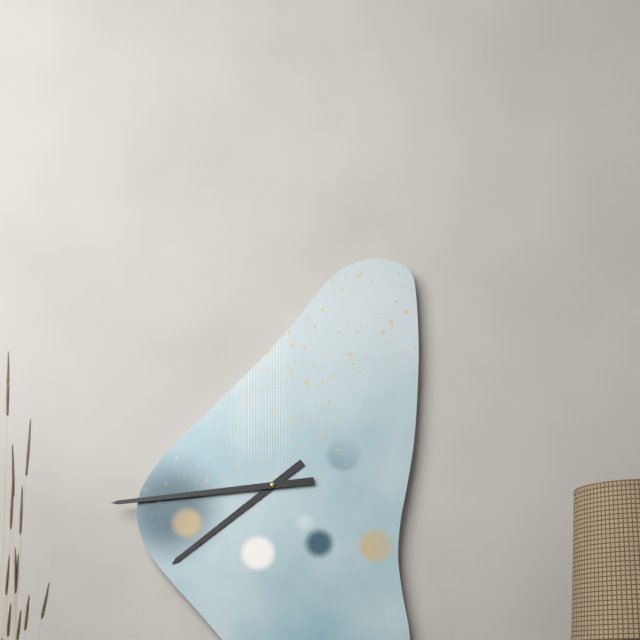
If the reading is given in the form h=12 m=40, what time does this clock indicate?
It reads h=7 m=44
